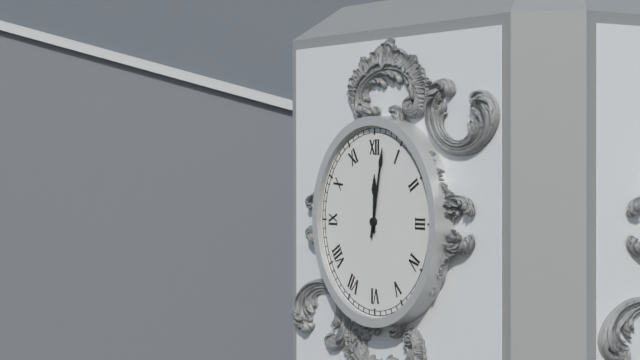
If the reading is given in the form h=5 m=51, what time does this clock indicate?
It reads h=12 m=2
